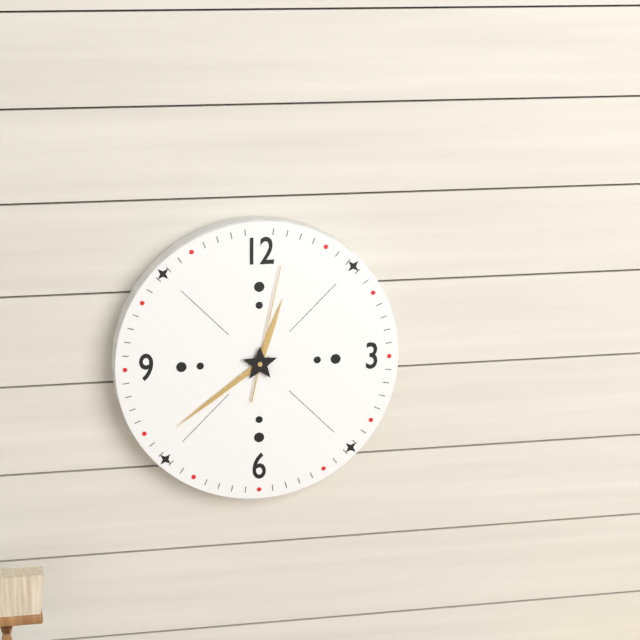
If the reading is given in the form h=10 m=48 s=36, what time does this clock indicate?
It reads h=12 m=39 s=2
